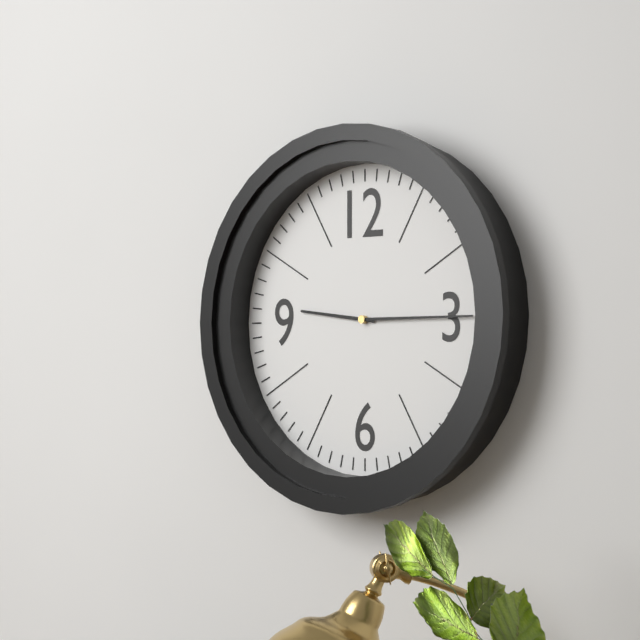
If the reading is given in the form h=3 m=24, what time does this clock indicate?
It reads h=9 m=15
